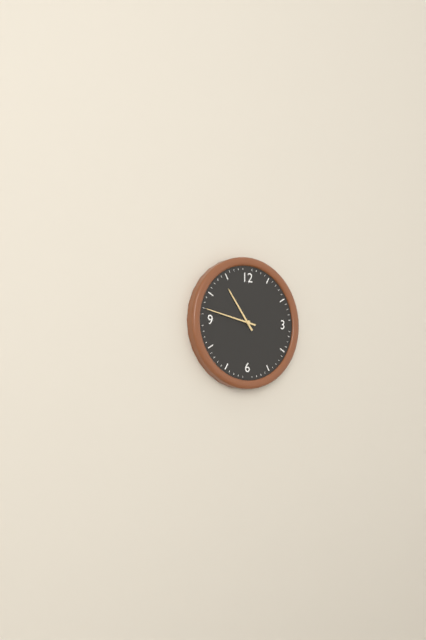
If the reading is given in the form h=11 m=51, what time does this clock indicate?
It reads h=10 m=47
